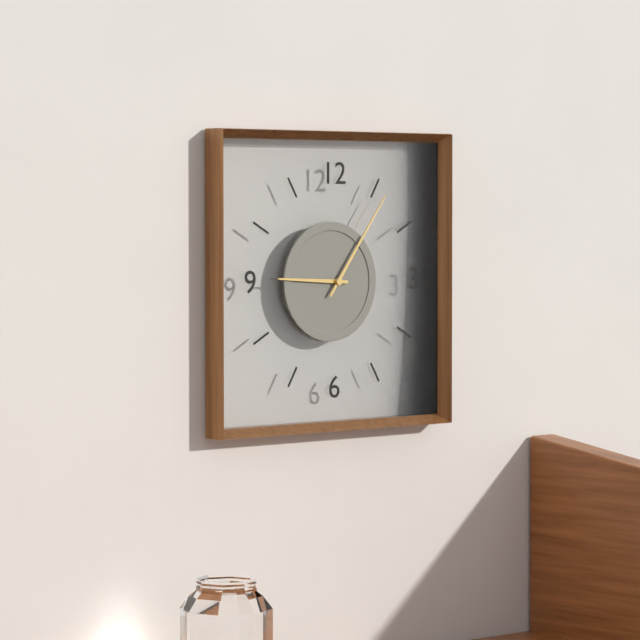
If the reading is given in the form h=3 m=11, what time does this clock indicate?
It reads h=9 m=6
